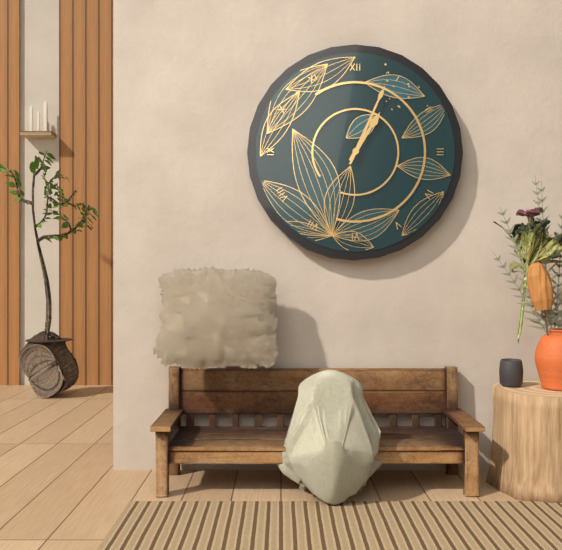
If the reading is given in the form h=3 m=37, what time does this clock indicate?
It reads h=1 m=4
